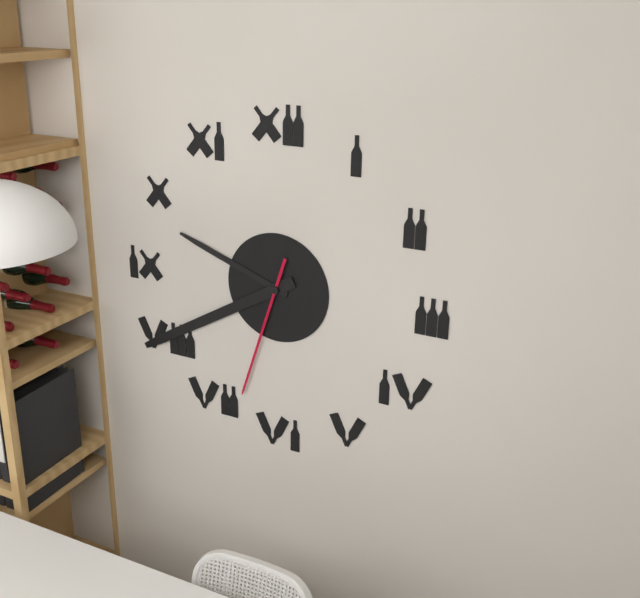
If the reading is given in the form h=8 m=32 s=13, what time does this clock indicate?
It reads h=9 m=40 s=33
